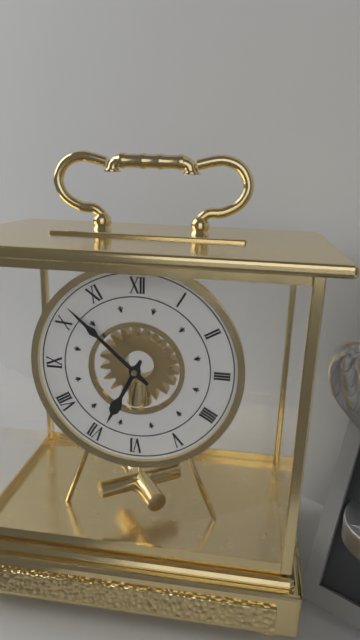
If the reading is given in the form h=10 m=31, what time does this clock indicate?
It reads h=6 m=52
